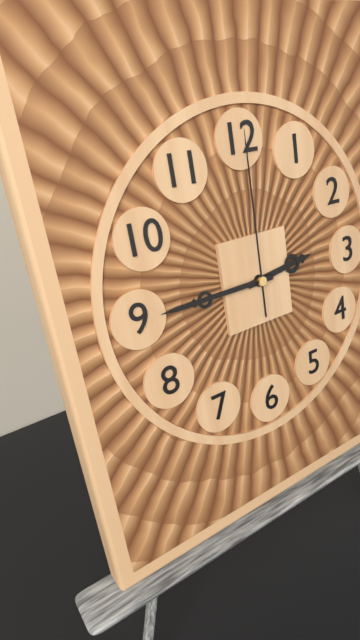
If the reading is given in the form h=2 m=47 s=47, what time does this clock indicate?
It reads h=2 m=45 s=0
